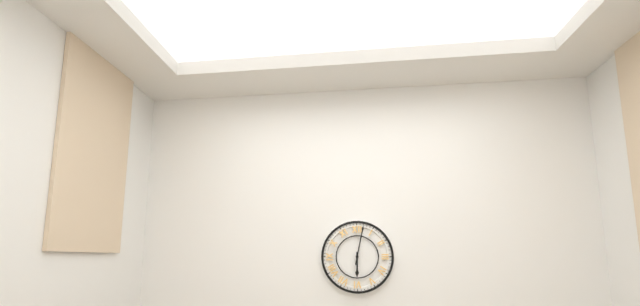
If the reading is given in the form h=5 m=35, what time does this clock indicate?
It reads h=6 m=2
